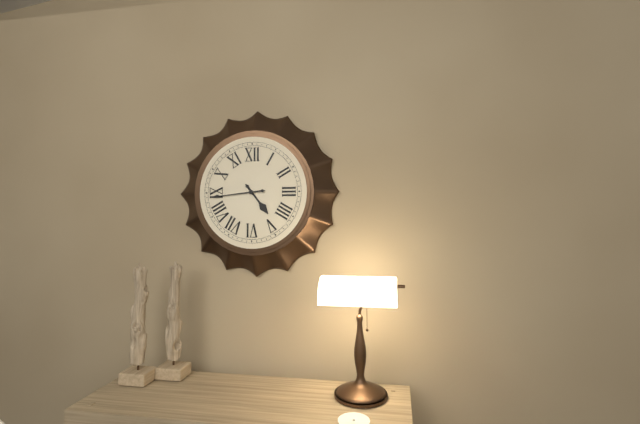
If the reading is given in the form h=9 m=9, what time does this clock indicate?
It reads h=4 m=44
